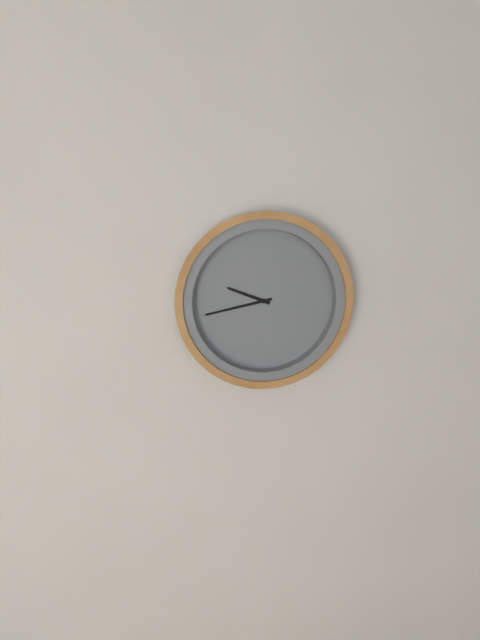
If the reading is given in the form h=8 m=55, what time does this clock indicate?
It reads h=9 m=43
